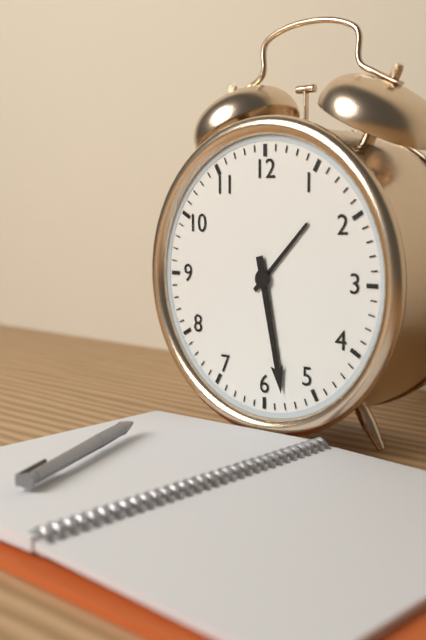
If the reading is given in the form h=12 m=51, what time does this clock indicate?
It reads h=1 m=28
